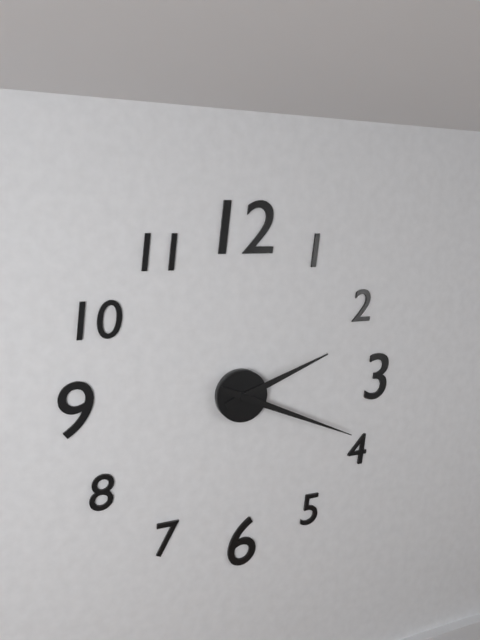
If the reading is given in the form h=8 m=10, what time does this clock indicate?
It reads h=2 m=19
